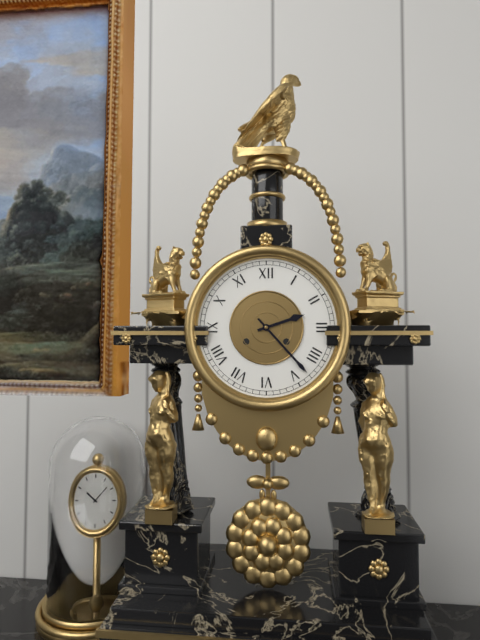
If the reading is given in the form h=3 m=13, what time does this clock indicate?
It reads h=2 m=23
